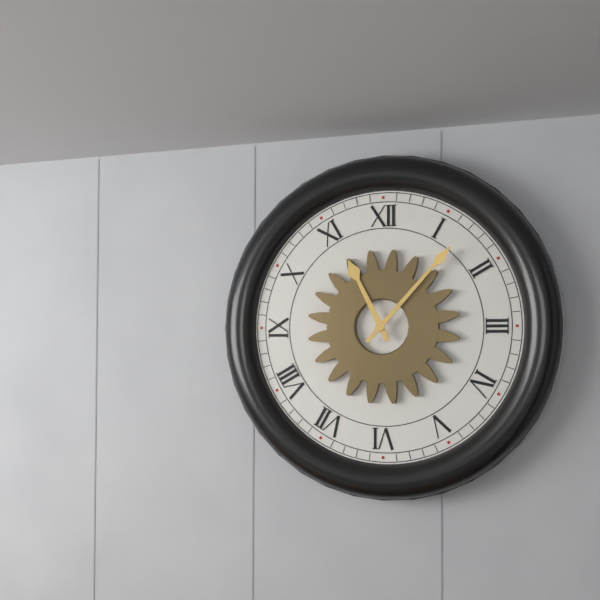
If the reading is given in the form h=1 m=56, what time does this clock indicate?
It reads h=11 m=7
